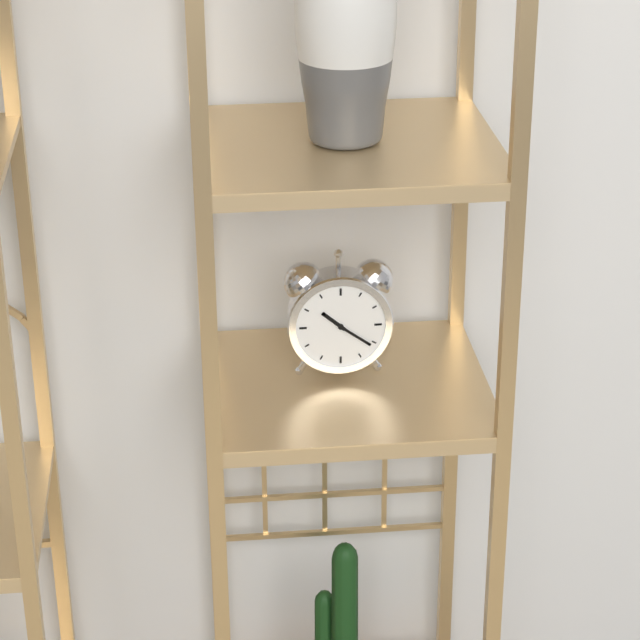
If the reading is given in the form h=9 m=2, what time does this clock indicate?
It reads h=10 m=21
